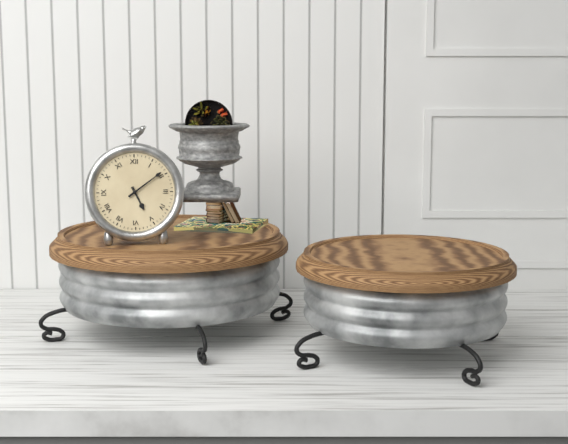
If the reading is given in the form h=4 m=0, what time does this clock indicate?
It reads h=5 m=9
